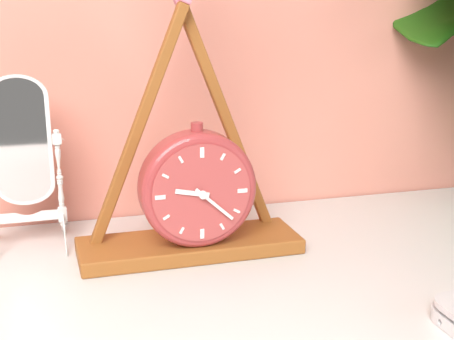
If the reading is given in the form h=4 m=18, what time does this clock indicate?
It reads h=9 m=22
